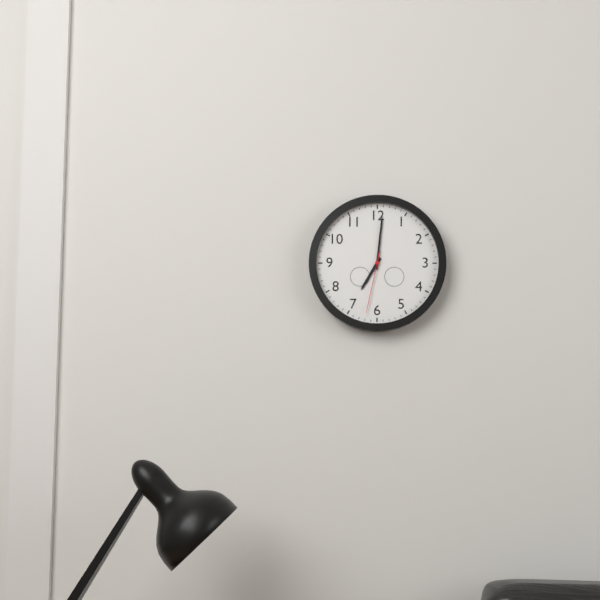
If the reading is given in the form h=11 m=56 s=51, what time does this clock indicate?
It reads h=7 m=1 s=32
